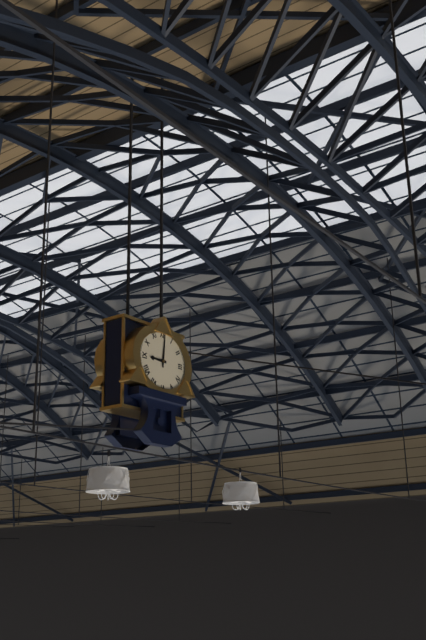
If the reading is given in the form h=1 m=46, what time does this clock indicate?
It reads h=9 m=1
